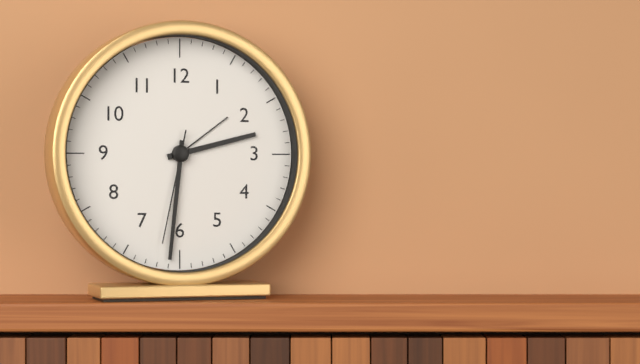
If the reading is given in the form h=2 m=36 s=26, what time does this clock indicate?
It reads h=2 m=31 s=32
